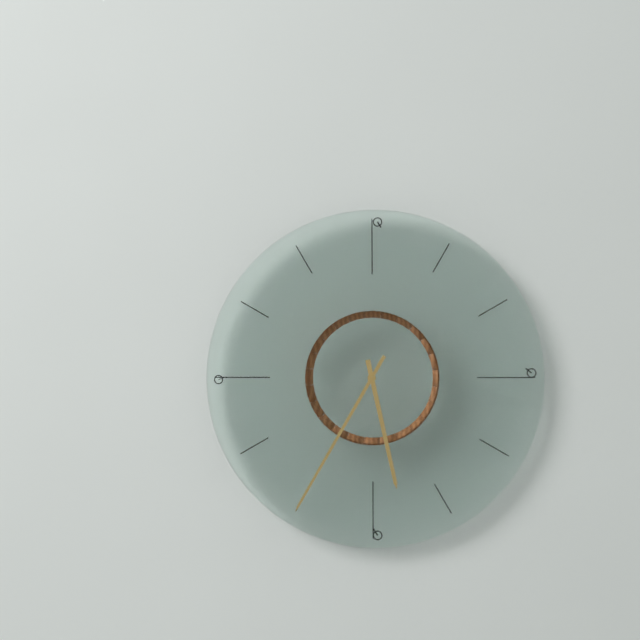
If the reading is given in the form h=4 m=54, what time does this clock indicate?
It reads h=5 m=35
